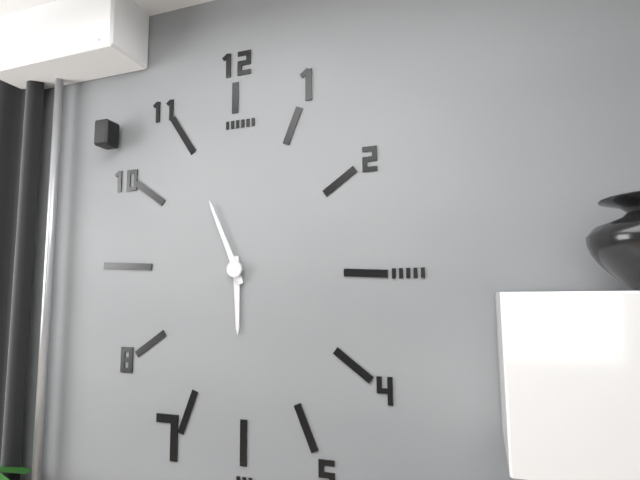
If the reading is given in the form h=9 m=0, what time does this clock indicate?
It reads h=5 m=56
